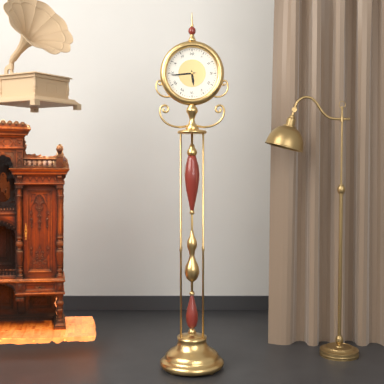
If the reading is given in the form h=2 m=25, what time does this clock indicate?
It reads h=5 m=44
